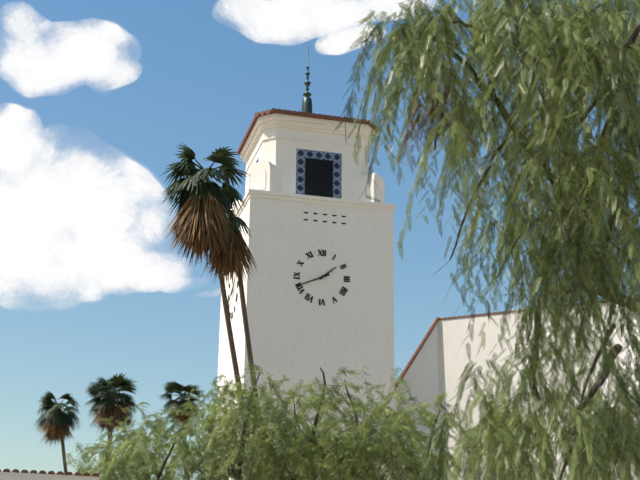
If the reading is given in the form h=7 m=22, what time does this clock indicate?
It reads h=1 m=41
